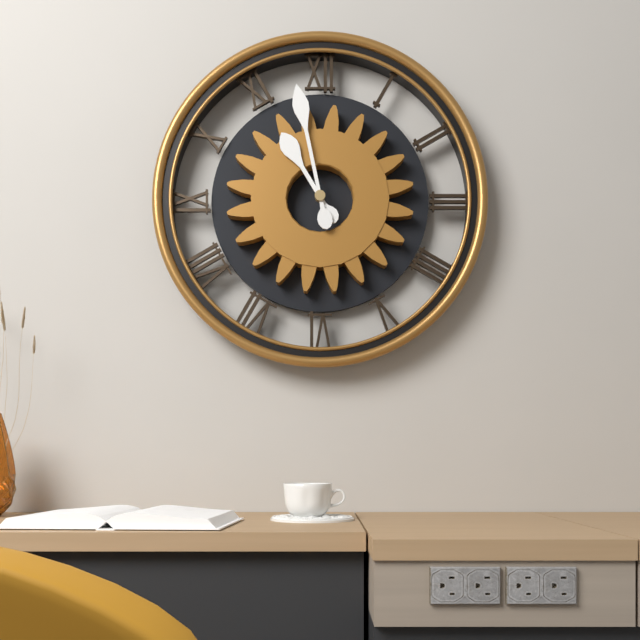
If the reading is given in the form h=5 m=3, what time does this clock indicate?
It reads h=10 m=58
